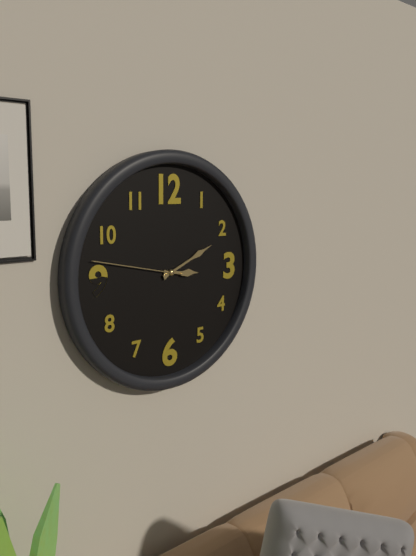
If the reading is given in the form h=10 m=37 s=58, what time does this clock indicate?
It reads h=3 m=11 s=47
